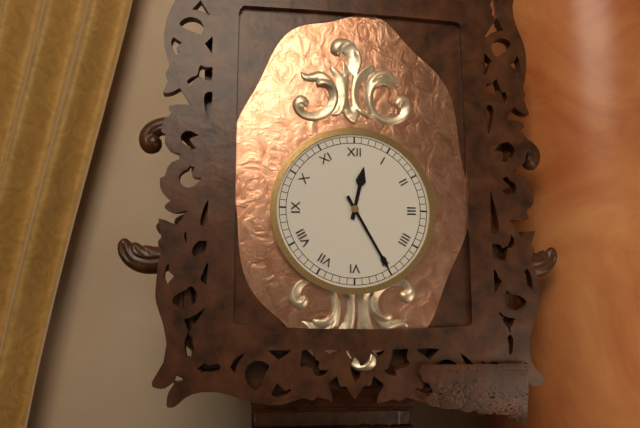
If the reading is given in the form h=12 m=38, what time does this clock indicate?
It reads h=12 m=25
